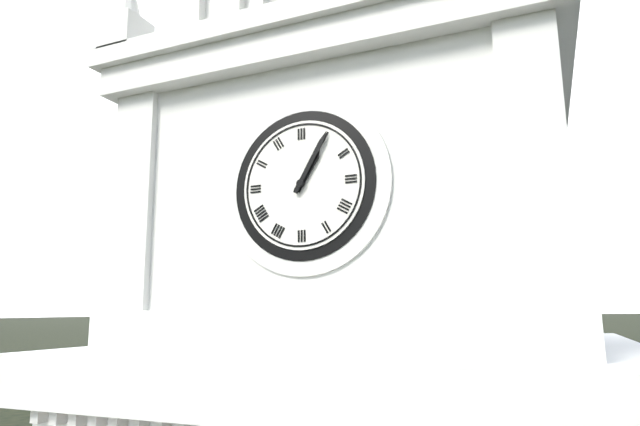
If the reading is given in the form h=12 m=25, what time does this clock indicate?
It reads h=1 m=5
